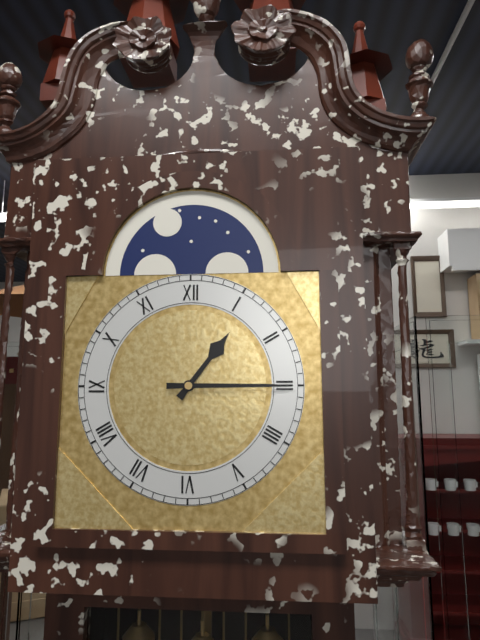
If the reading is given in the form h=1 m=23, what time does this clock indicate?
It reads h=1 m=15
